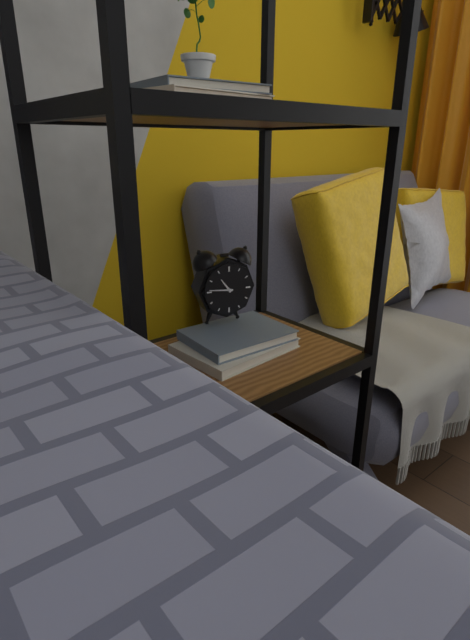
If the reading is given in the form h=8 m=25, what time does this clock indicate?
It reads h=10 m=46
